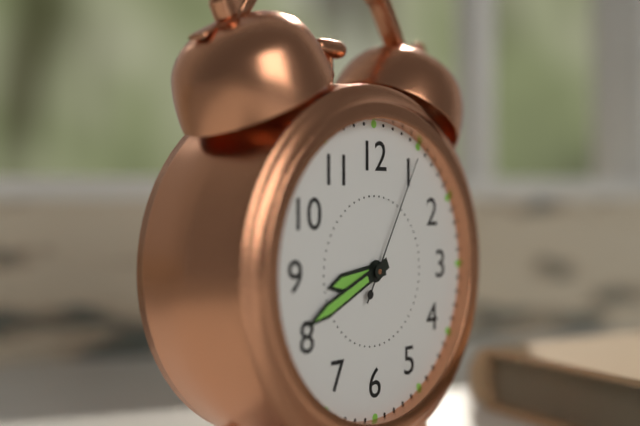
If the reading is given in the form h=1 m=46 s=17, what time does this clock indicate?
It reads h=8 m=41 s=5
